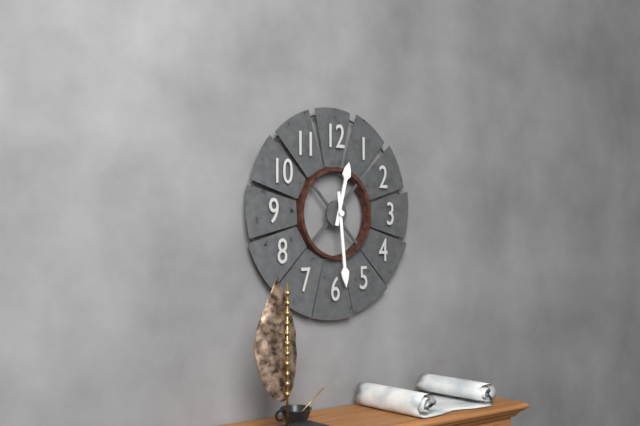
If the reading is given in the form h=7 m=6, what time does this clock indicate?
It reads h=12 m=29
